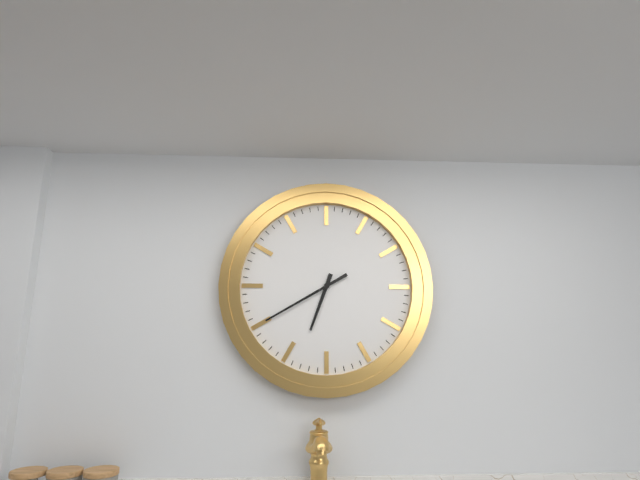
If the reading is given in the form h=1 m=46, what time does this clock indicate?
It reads h=6 m=40
